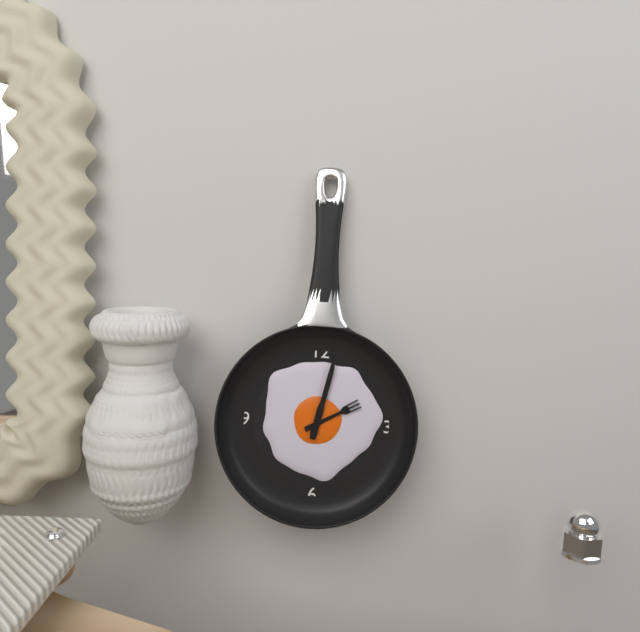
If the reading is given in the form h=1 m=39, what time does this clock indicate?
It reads h=2 m=2
